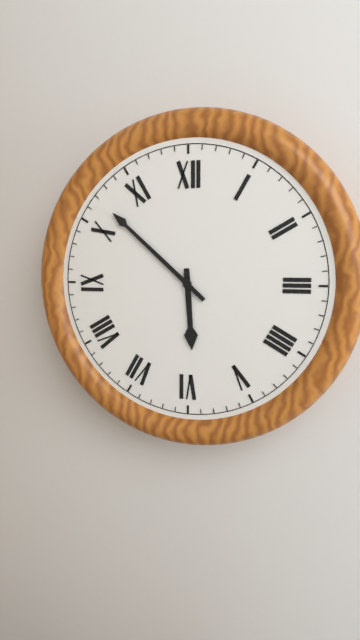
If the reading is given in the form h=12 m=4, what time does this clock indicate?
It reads h=5 m=52
